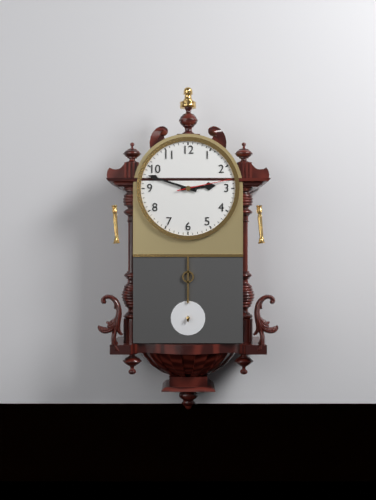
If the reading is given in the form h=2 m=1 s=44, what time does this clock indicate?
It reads h=2 m=48 s=13
